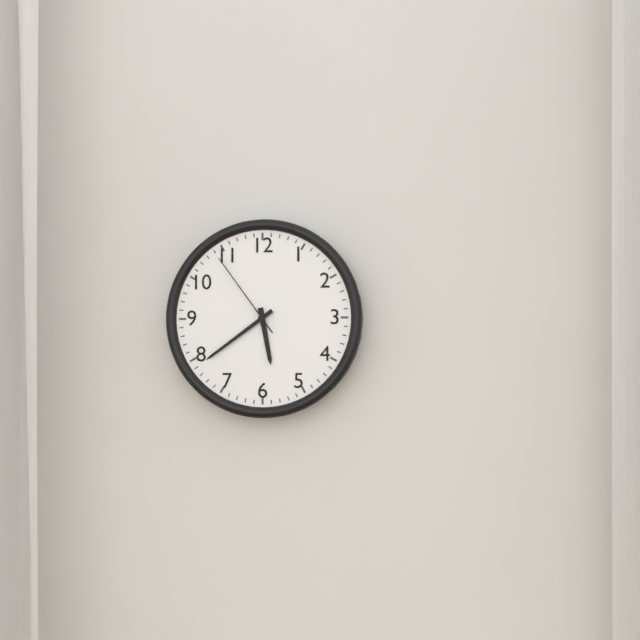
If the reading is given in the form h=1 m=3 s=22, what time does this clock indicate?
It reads h=5 m=39 s=54
